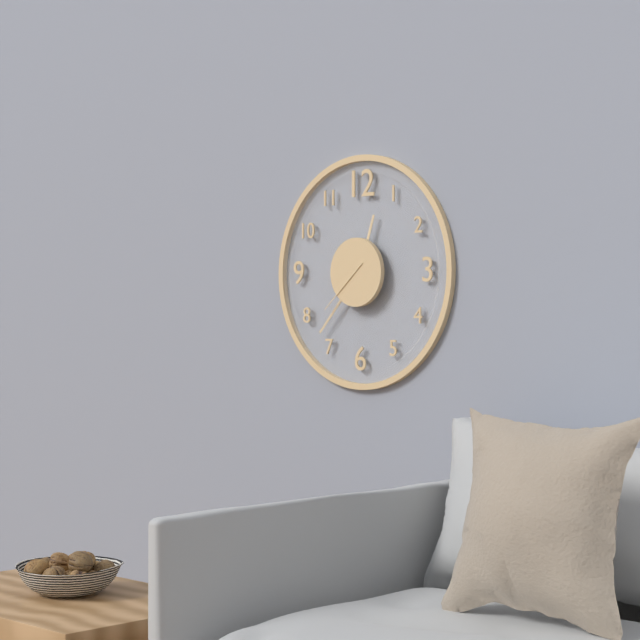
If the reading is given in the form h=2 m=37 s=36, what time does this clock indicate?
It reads h=12 m=37 s=38
